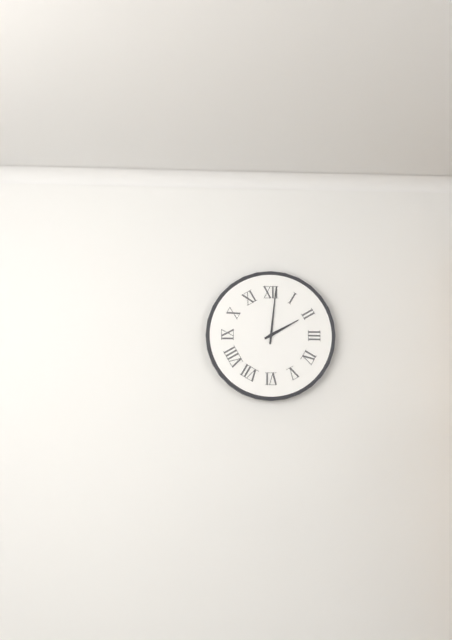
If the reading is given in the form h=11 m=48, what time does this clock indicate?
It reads h=2 m=1
